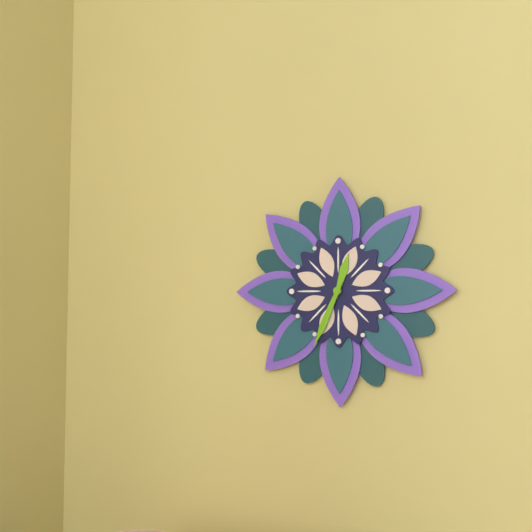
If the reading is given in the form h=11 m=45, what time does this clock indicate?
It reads h=12 m=34
